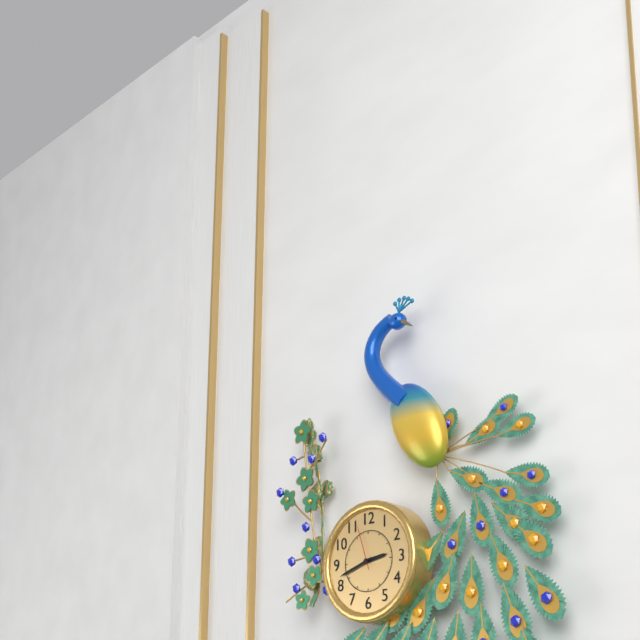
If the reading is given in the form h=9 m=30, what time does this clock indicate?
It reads h=2 m=42
